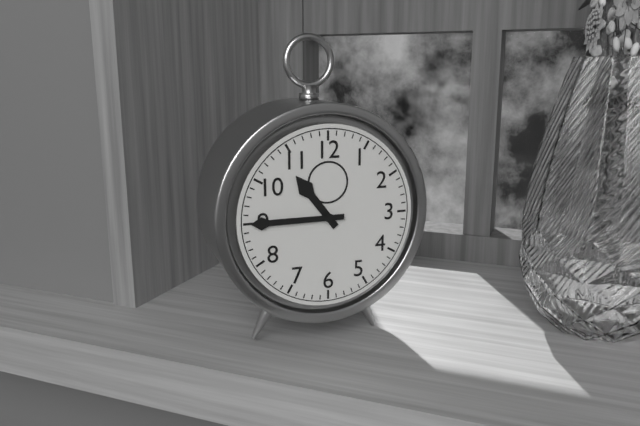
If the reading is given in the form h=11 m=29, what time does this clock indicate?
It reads h=10 m=45
